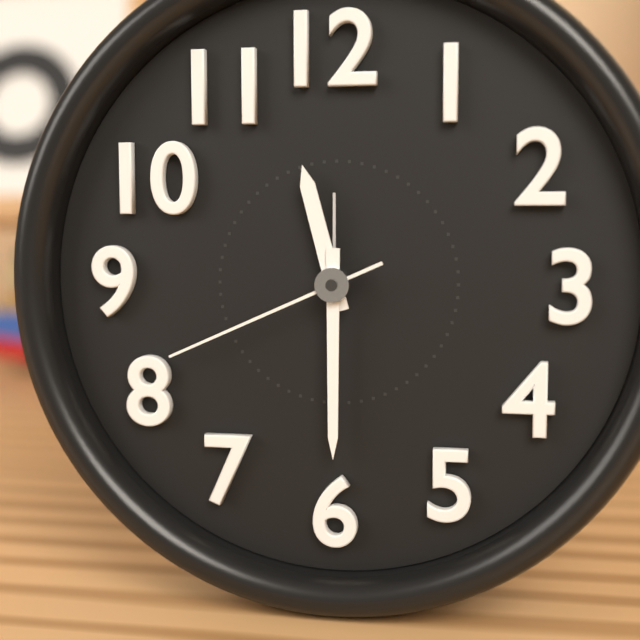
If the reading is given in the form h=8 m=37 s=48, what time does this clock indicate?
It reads h=11 m=30 s=41
